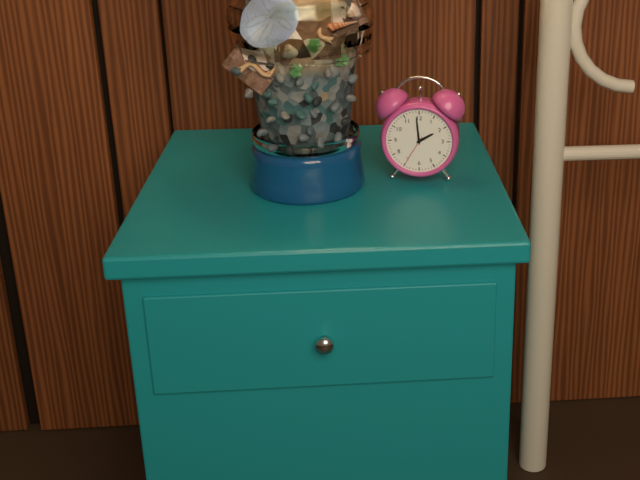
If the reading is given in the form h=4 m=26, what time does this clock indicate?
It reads h=1 m=59
